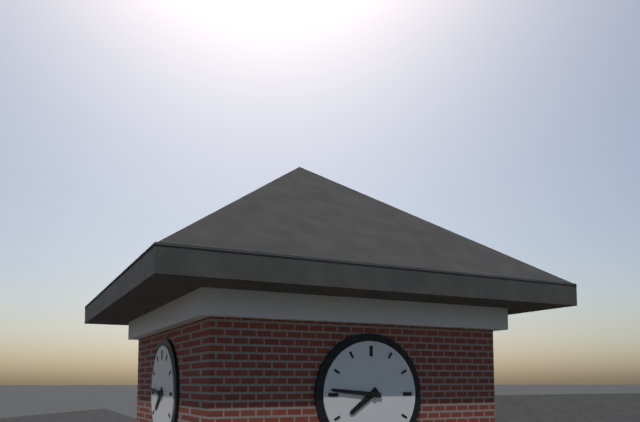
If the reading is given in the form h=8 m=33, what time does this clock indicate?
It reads h=7 m=46
